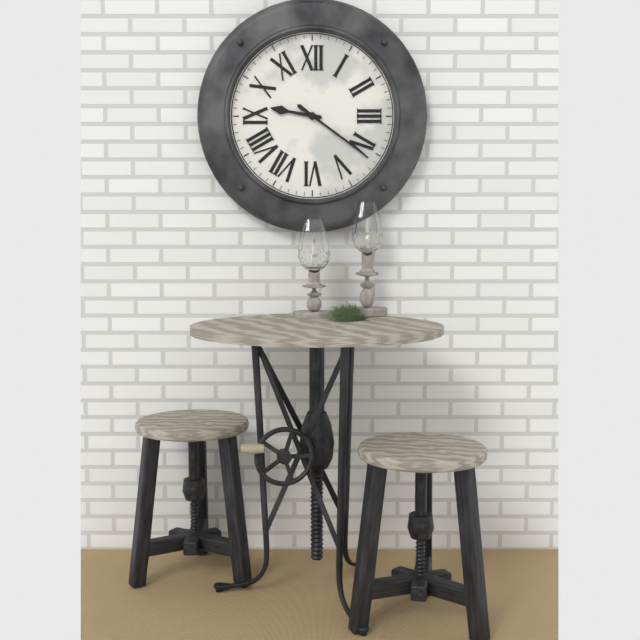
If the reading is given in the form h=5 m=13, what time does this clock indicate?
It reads h=9 m=21
